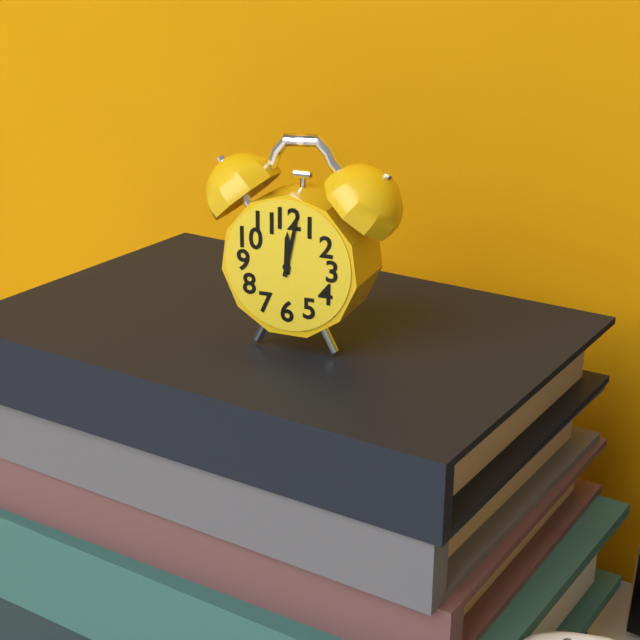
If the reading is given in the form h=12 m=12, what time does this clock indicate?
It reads h=12 m=2
